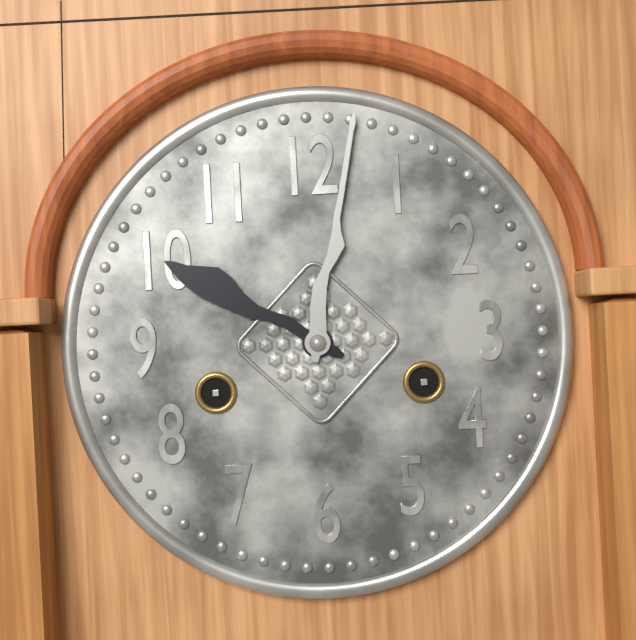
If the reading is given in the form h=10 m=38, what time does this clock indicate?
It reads h=10 m=2
